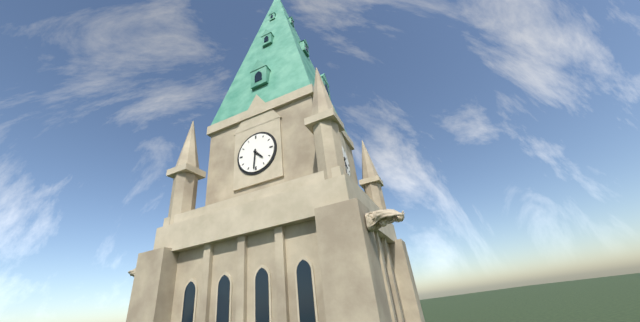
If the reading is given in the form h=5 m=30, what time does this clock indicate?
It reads h=4 m=31
